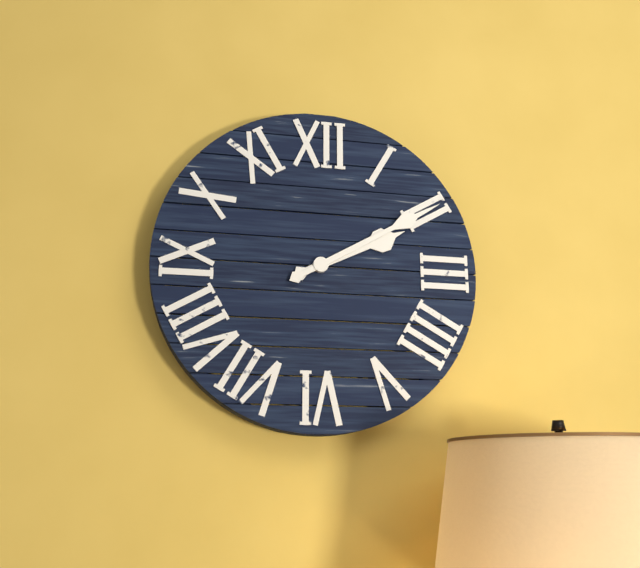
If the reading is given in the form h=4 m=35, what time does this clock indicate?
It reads h=2 m=10
